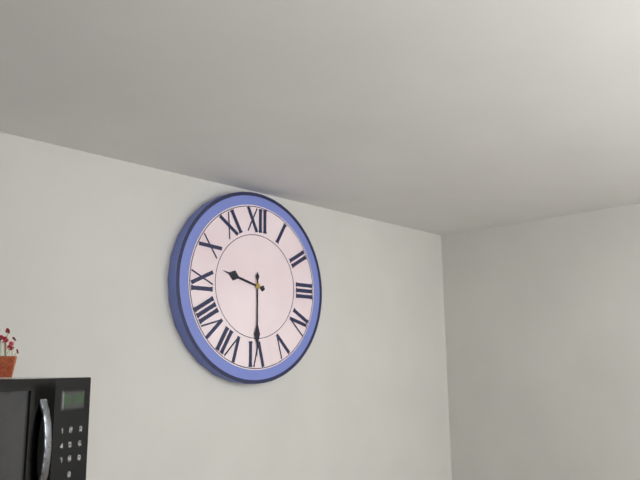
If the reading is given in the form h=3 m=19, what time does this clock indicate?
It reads h=9 m=30
